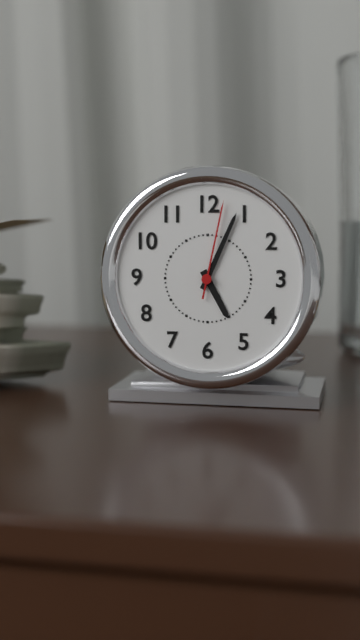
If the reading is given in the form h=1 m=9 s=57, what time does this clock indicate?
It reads h=5 m=4 s=2
